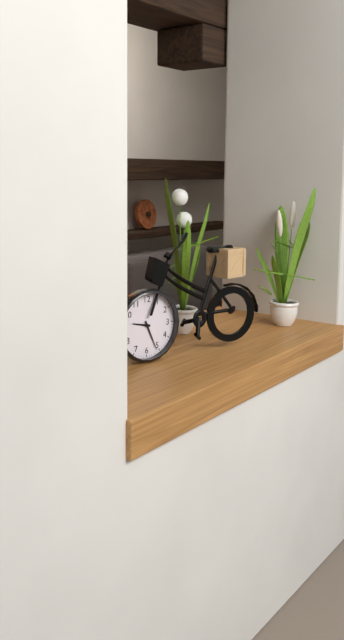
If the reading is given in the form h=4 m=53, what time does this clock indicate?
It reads h=9 m=26
